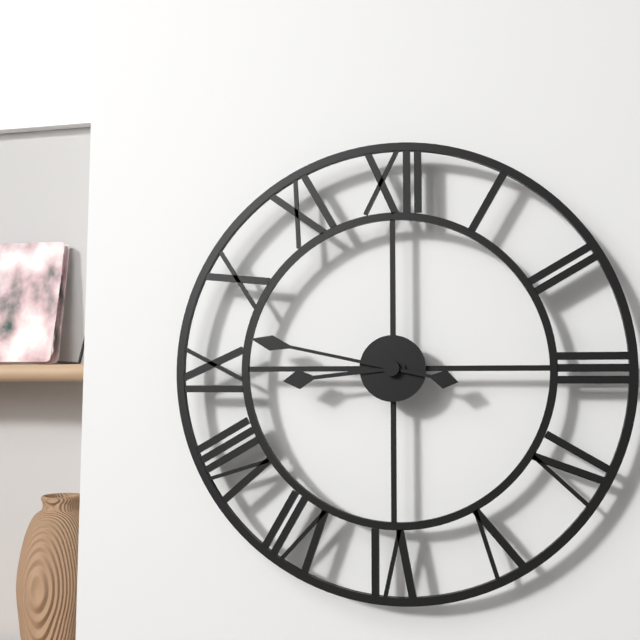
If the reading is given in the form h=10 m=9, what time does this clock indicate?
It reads h=8 m=47
